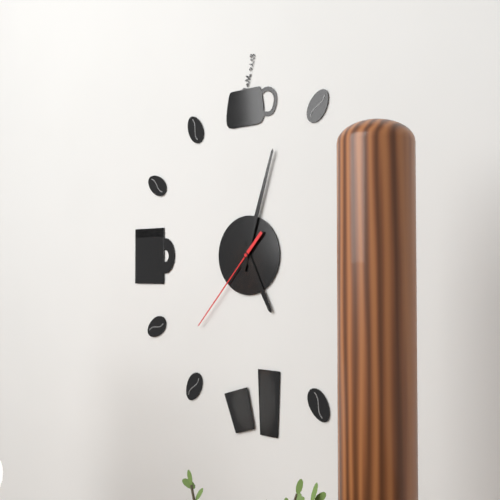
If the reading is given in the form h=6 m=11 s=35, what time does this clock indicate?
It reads h=5 m=3 s=37
